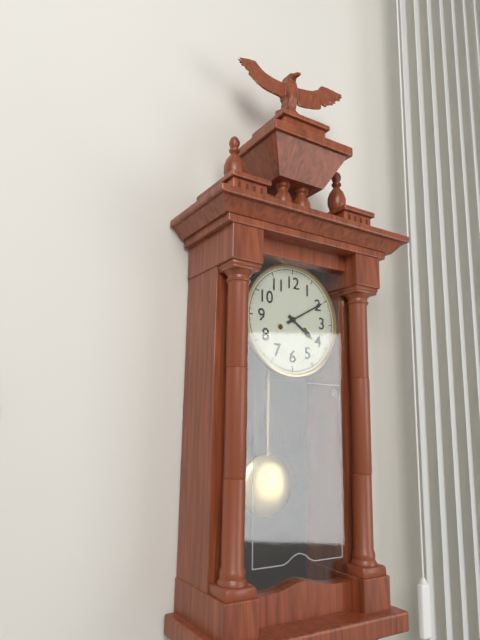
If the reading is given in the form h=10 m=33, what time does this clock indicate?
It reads h=4 m=10
